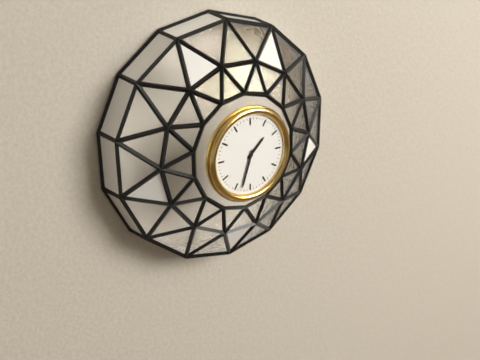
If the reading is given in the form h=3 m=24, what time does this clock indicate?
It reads h=1 m=33
